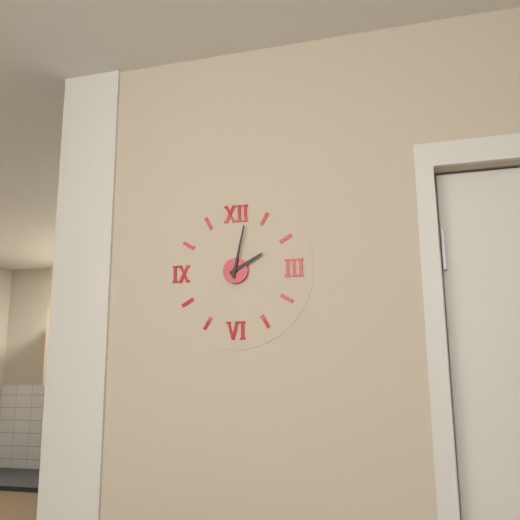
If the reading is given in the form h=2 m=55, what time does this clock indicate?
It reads h=2 m=2
